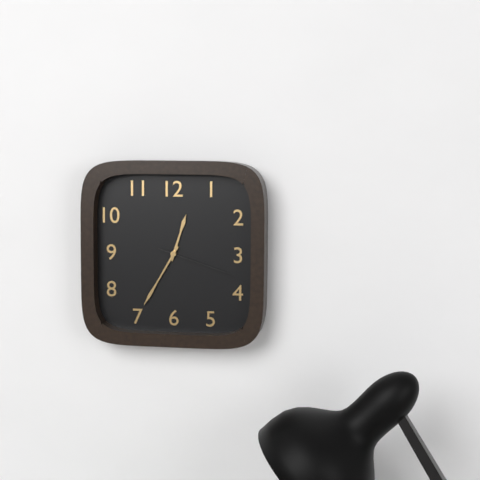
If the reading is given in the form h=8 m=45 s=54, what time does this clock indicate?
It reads h=12 m=35 s=18
